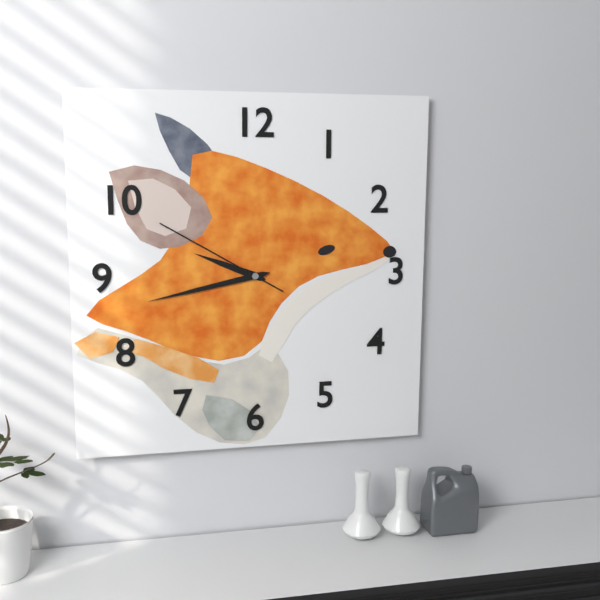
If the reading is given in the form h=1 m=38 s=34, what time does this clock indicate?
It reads h=9 m=43 s=50
